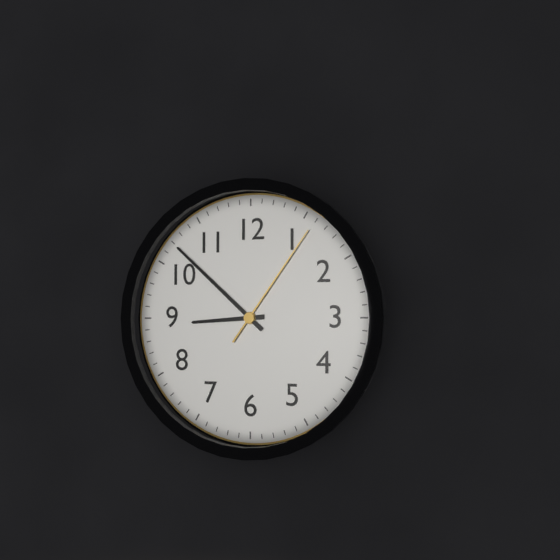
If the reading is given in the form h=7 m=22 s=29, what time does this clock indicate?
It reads h=8 m=52 s=6
